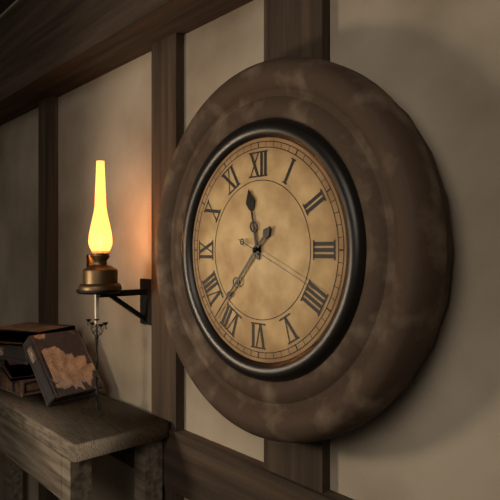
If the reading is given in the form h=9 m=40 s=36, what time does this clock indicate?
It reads h=11 m=37 s=19
